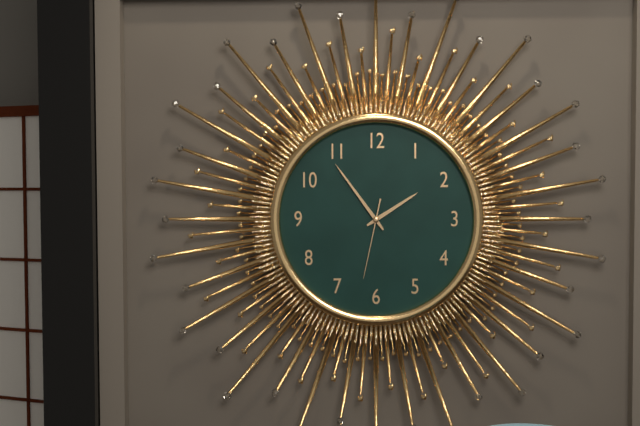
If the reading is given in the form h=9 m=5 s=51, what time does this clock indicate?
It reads h=1 m=54 s=32
